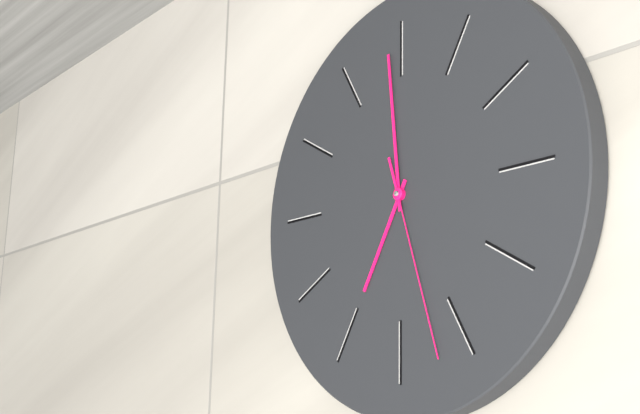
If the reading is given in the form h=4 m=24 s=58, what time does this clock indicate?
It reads h=6 m=59 s=27
